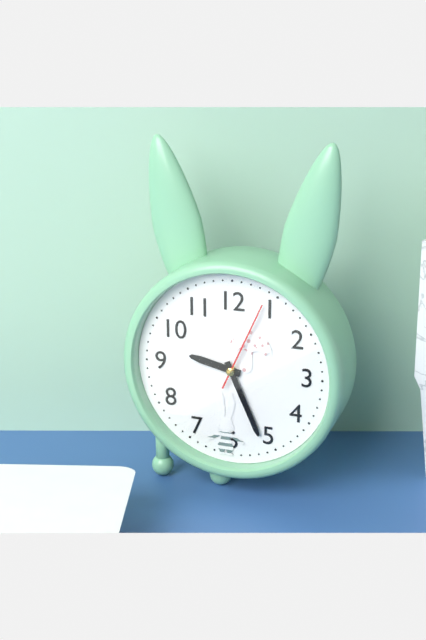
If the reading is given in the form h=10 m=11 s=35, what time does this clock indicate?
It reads h=9 m=26 s=4
